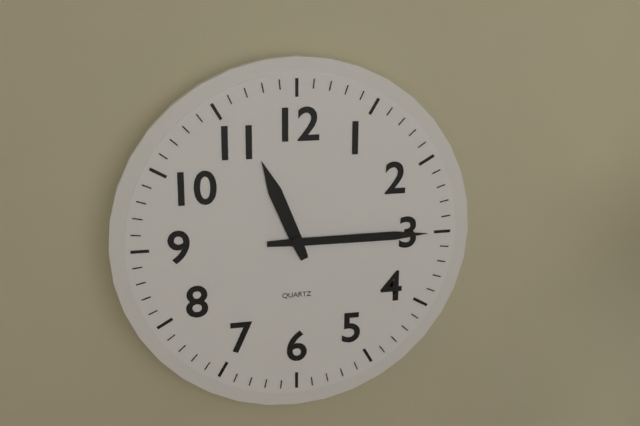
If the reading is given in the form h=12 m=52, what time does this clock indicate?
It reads h=11 m=15
